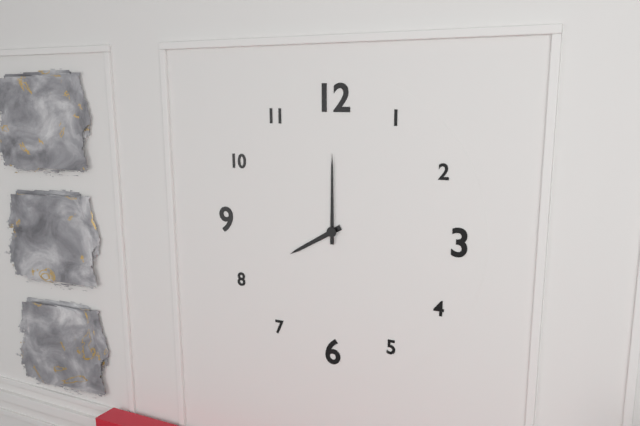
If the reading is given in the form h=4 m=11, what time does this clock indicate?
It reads h=8 m=0
